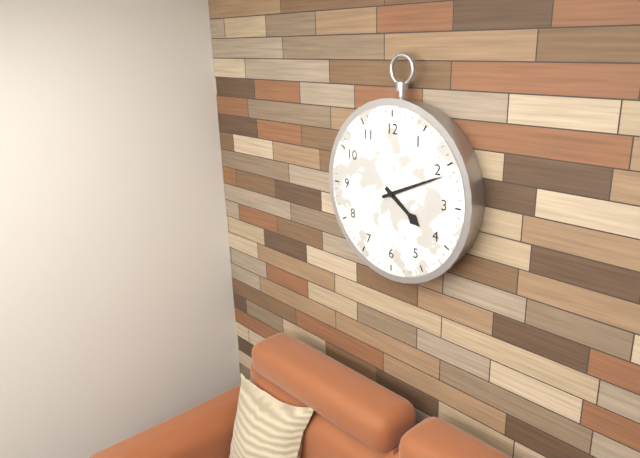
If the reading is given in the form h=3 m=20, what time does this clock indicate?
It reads h=4 m=11
